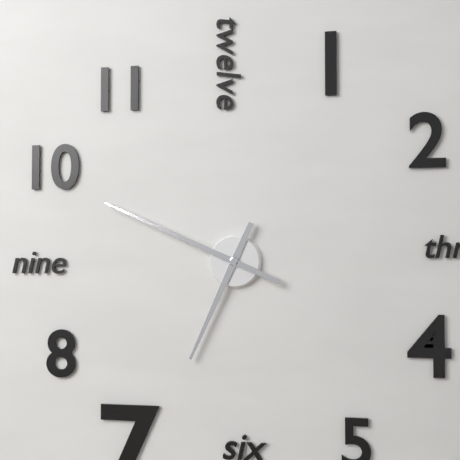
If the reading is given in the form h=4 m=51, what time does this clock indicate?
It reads h=6 m=49
